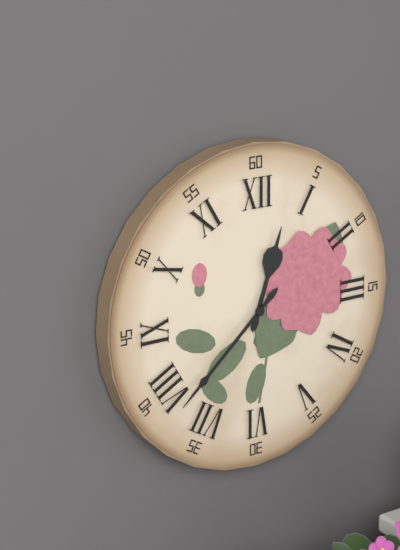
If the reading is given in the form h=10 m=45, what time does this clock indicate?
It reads h=12 m=38
